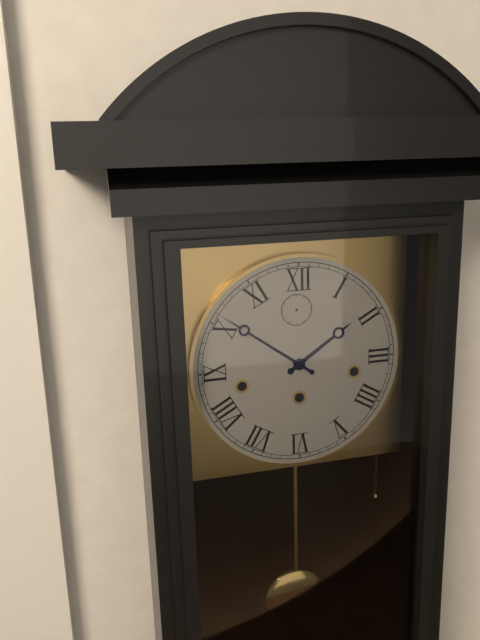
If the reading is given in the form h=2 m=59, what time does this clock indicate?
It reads h=1 m=51
